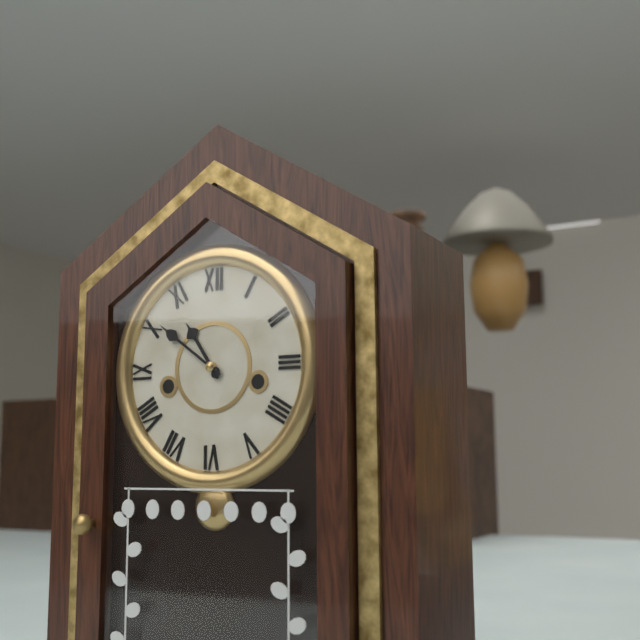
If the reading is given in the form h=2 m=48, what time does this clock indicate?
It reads h=10 m=51
